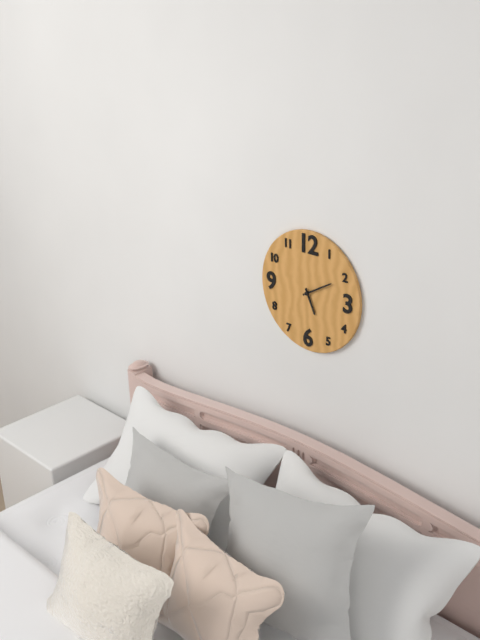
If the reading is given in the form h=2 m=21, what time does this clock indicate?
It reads h=5 m=10
